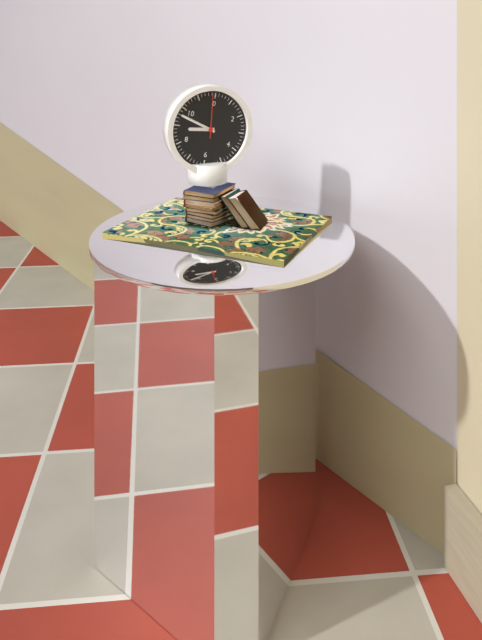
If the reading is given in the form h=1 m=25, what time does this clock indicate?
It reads h=8 m=48
